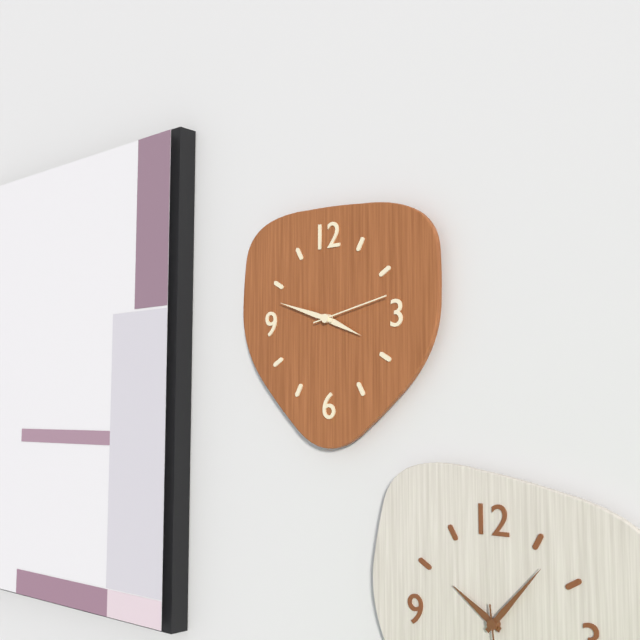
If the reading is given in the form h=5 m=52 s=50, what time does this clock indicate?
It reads h=3 m=48 s=13
